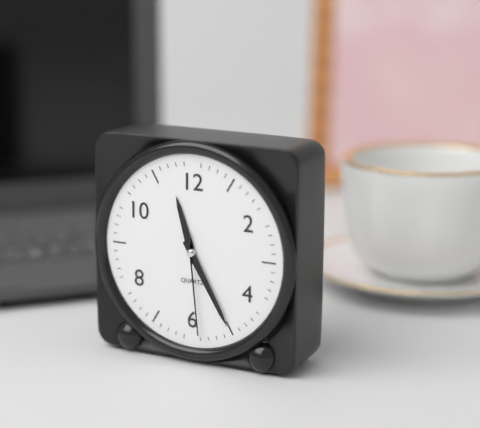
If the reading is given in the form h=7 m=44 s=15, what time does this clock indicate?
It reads h=11 m=25 s=29
